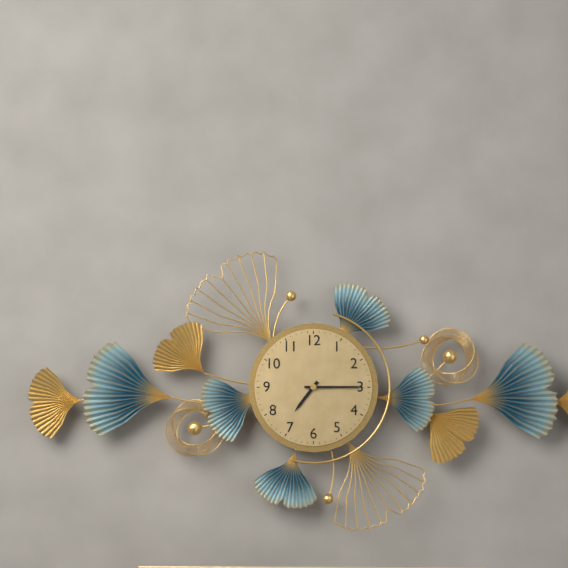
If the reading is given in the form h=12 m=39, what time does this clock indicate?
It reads h=7 m=15
